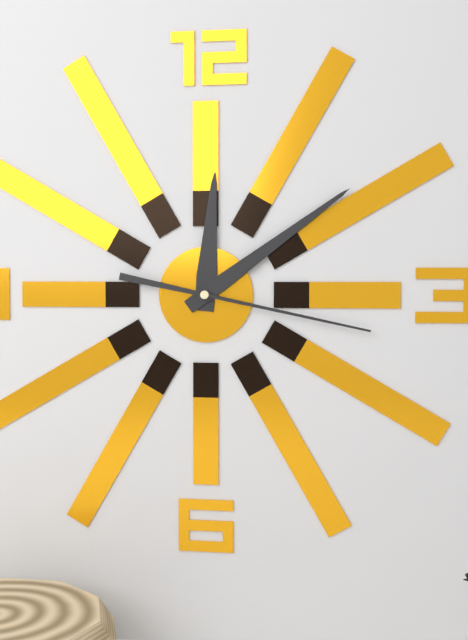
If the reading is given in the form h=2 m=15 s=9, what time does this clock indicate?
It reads h=12 m=9 s=17
